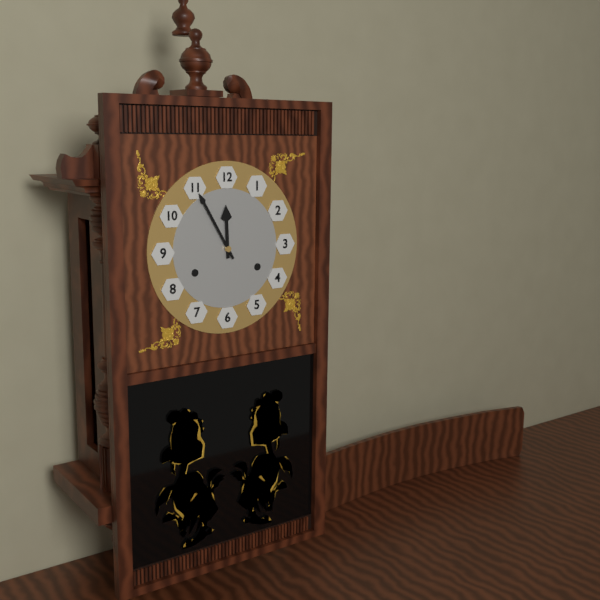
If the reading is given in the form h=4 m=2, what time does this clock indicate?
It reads h=11 m=55
